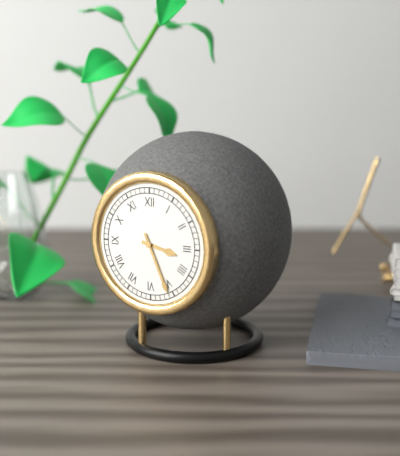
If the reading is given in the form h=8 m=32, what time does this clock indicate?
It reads h=3 m=26
